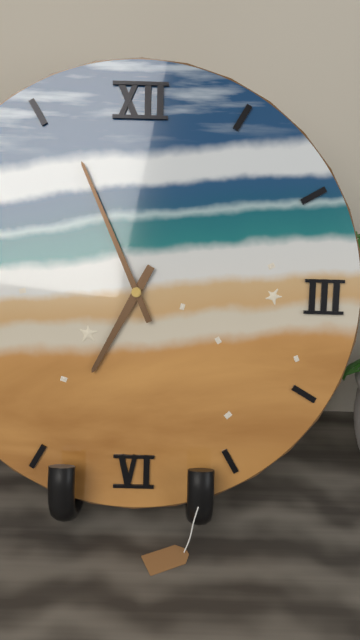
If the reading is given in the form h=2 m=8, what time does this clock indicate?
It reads h=6 m=56
